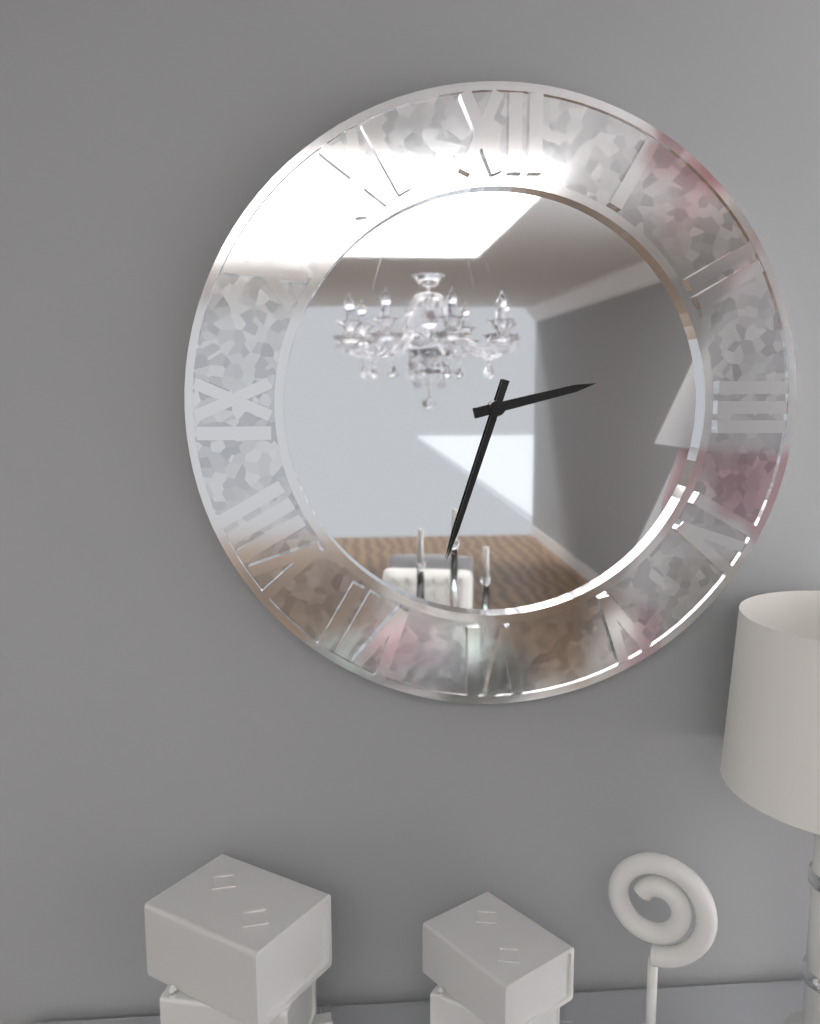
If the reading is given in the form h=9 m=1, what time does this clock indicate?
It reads h=2 m=33
